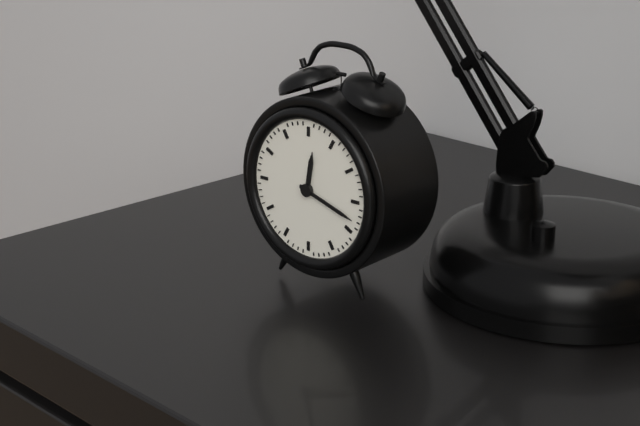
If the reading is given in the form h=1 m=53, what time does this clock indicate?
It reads h=12 m=18
